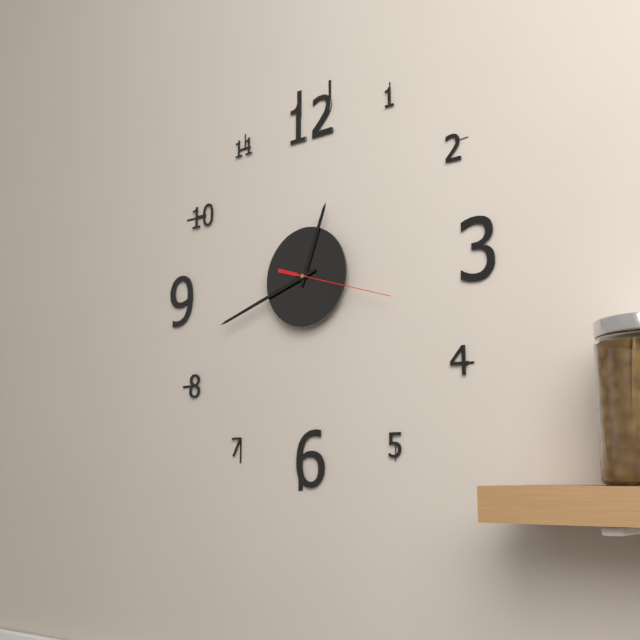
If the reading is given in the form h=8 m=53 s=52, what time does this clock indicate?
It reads h=12 m=42 s=18
